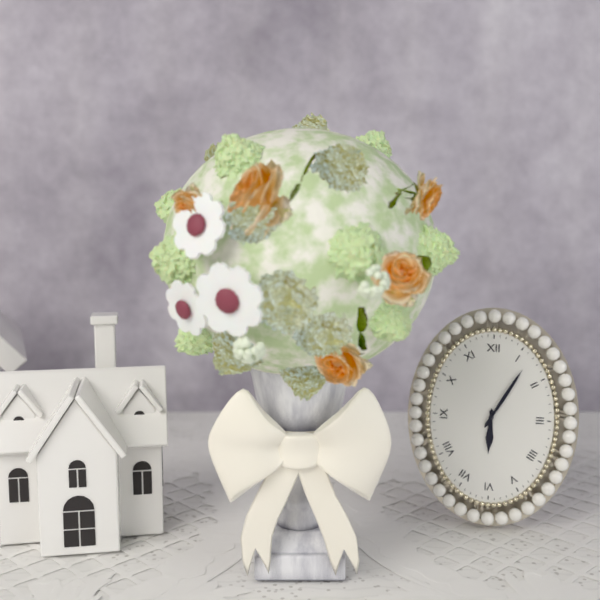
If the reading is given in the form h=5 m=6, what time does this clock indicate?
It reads h=6 m=5
